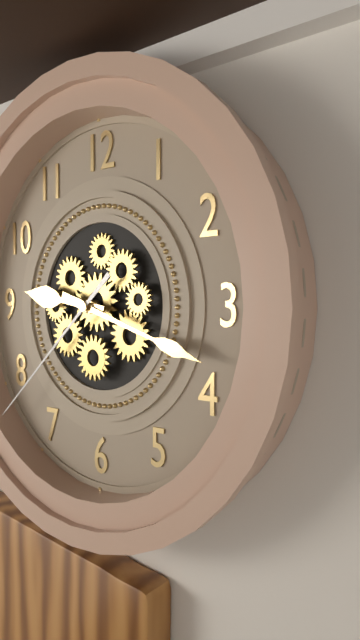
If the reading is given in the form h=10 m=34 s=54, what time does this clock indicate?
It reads h=9 m=18 s=38
